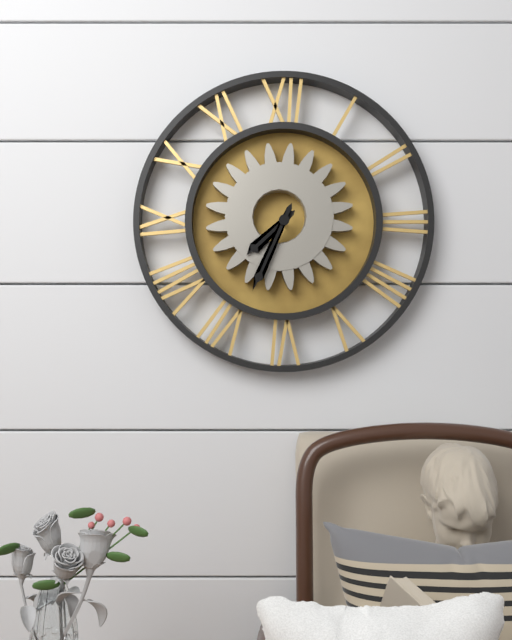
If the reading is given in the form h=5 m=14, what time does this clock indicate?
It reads h=7 m=34
